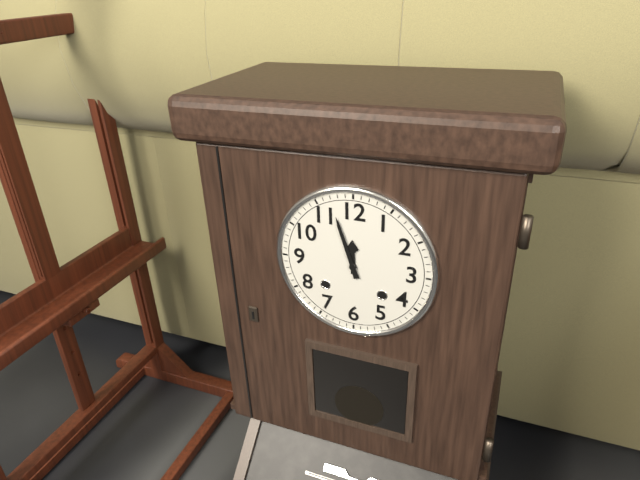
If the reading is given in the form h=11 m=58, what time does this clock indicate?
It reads h=11 m=57
